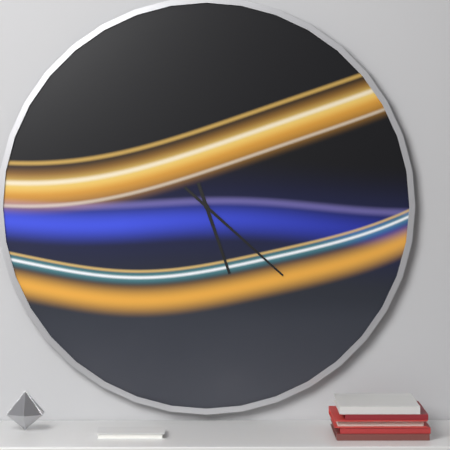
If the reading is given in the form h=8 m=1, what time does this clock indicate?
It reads h=5 m=22
